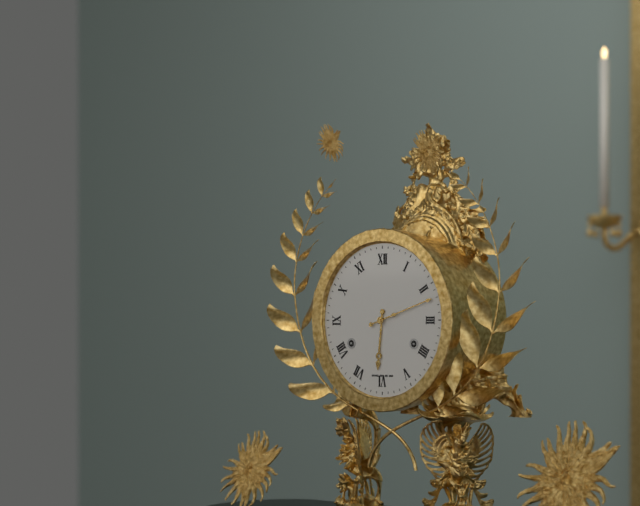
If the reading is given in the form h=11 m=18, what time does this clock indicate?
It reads h=6 m=12
